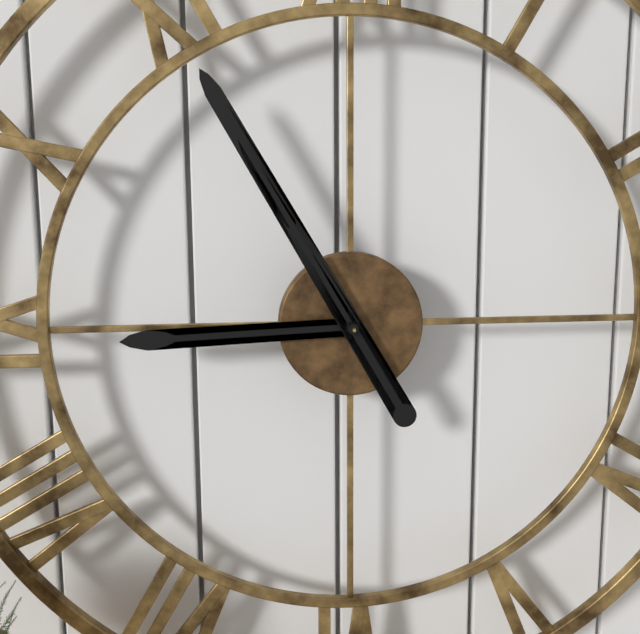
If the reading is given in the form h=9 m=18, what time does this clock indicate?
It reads h=8 m=55
